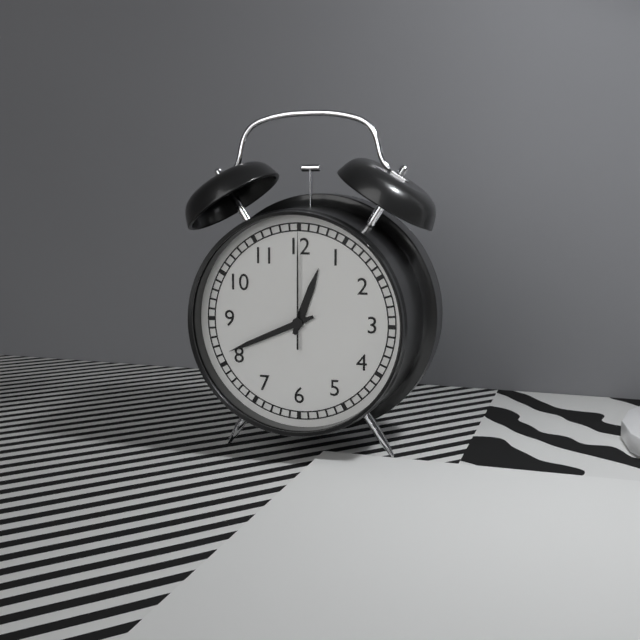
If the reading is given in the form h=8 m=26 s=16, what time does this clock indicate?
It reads h=12 m=41 s=0
